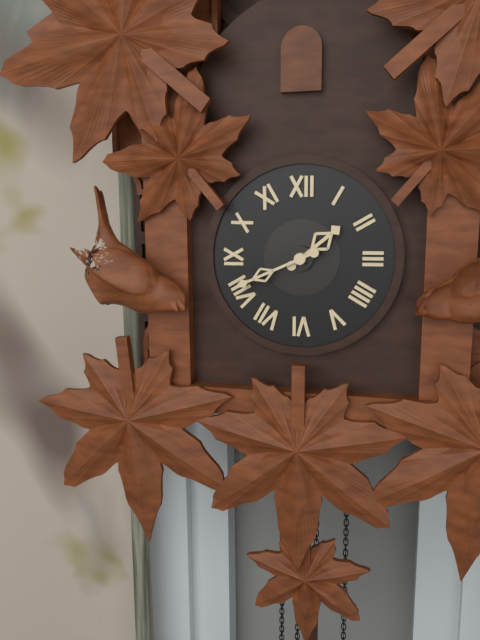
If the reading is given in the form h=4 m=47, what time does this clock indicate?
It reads h=1 m=41
